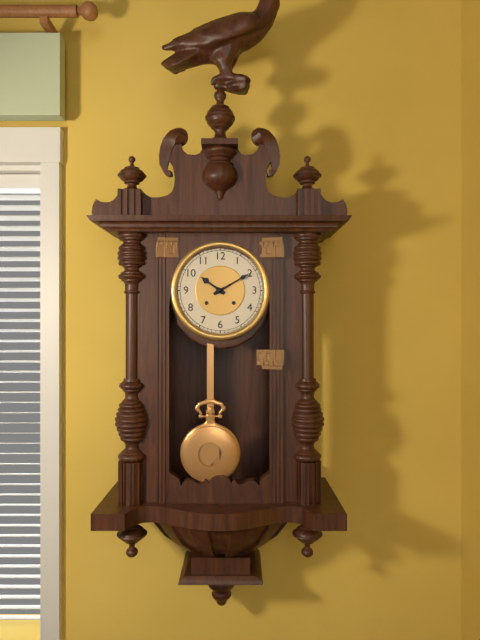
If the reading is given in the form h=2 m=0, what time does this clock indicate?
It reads h=10 m=10
